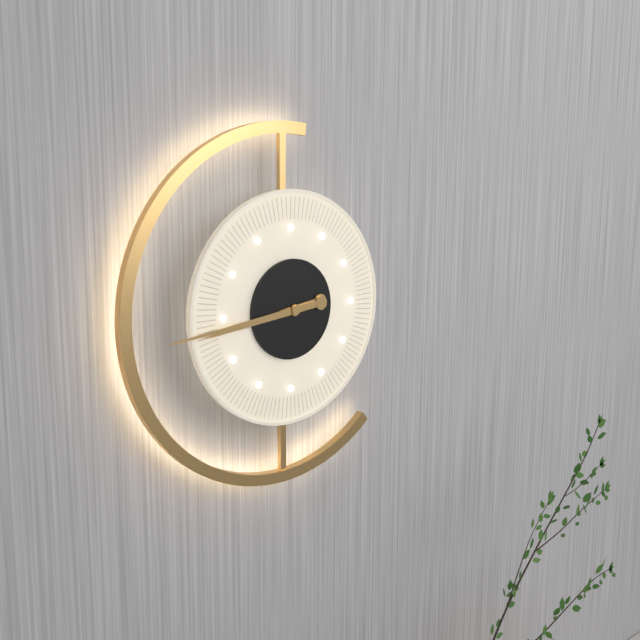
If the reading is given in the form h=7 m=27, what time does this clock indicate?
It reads h=8 m=44
